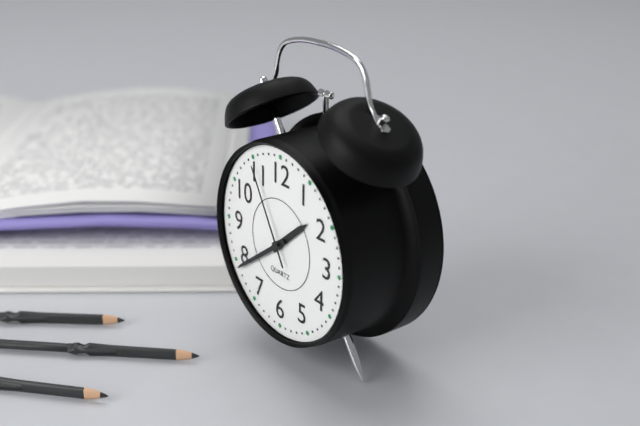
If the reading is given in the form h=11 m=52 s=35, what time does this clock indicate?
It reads h=1 m=39 s=55
